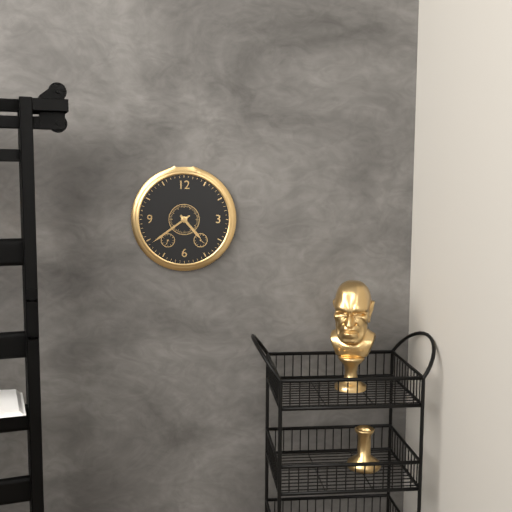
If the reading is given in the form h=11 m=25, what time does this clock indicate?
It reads h=4 m=39
